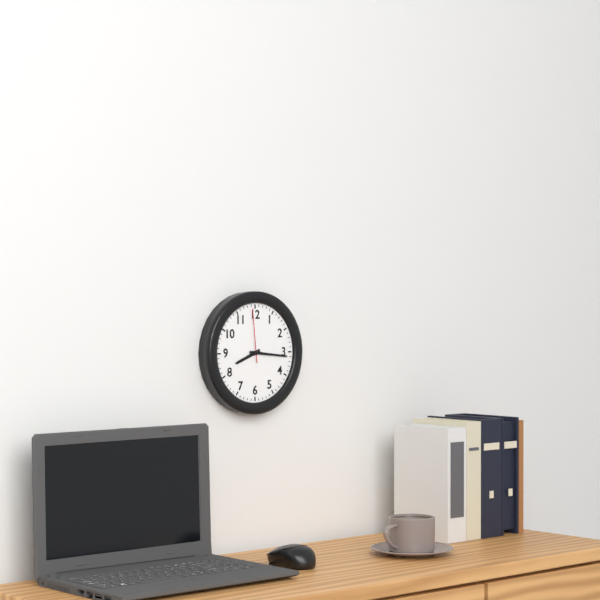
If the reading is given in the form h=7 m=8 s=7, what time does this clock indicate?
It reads h=8 m=16 s=59
